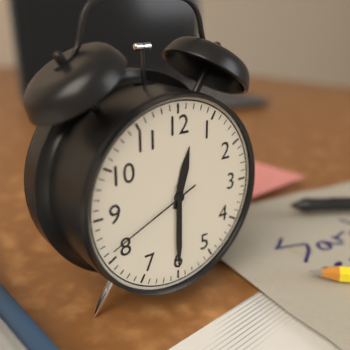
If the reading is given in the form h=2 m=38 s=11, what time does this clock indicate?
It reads h=12 m=30 s=41
